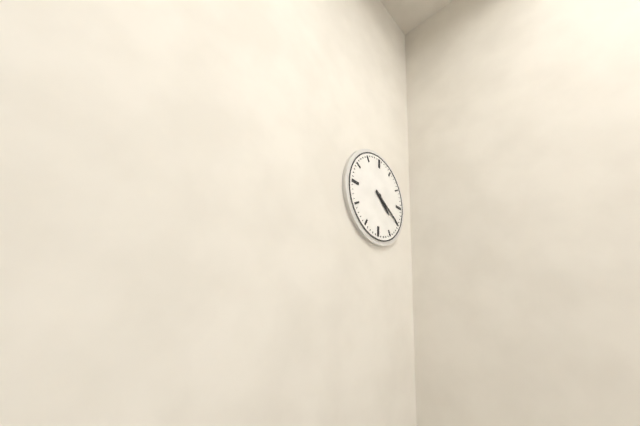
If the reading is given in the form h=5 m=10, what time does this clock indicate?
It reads h=4 m=20
